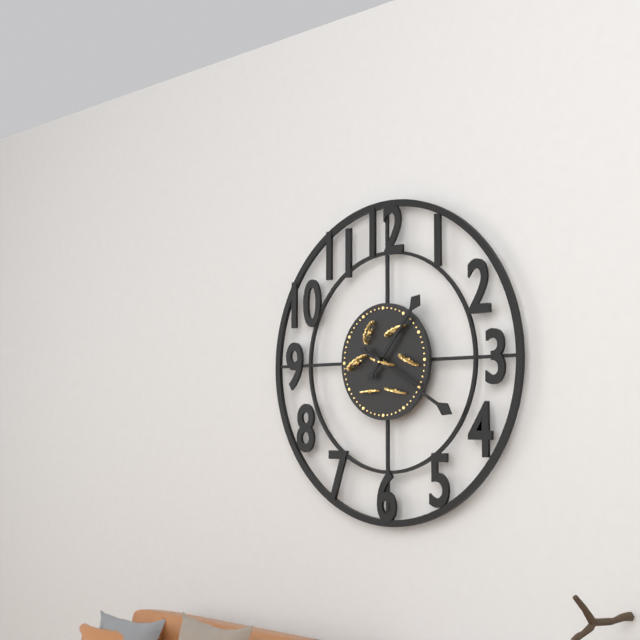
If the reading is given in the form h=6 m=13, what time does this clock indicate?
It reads h=1 m=20
